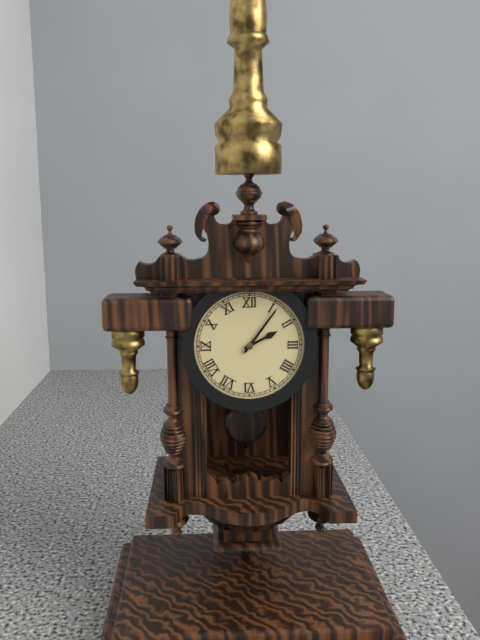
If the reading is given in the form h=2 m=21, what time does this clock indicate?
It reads h=2 m=6
